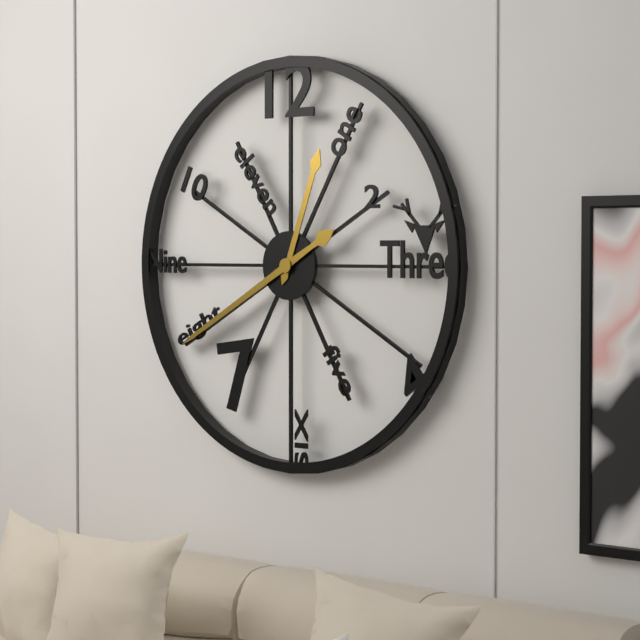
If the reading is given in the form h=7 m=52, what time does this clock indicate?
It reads h=12 m=40
